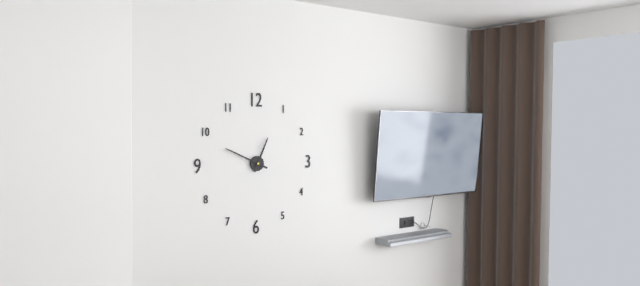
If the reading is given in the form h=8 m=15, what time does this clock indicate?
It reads h=12 m=49
